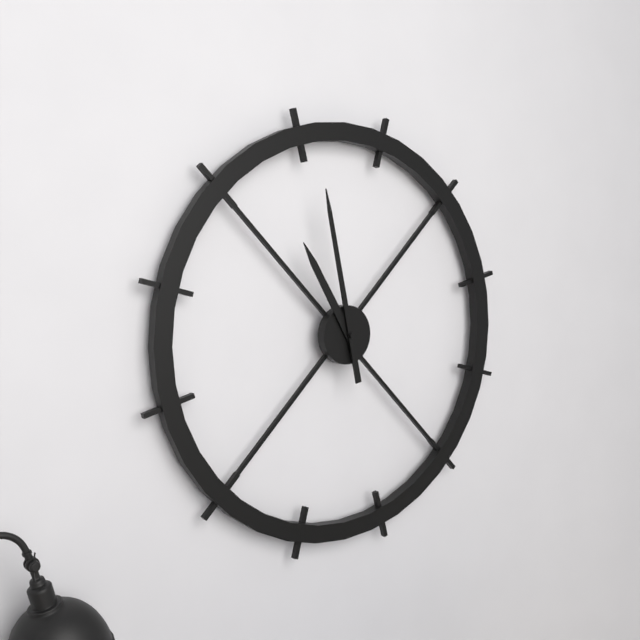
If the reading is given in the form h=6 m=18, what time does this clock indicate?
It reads h=10 m=58
